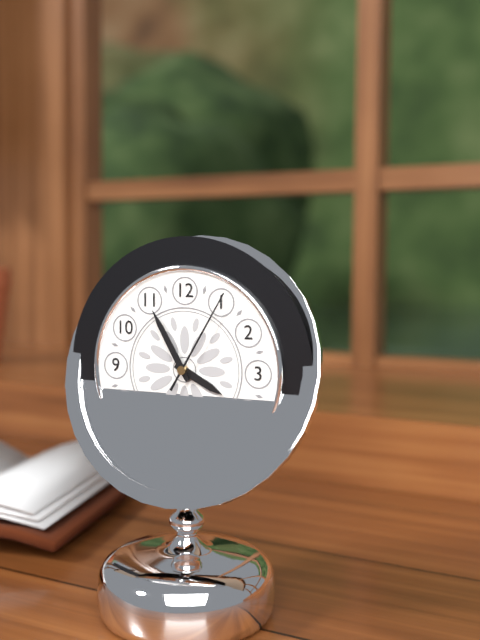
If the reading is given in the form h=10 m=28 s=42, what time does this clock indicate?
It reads h=3 m=55 s=5
